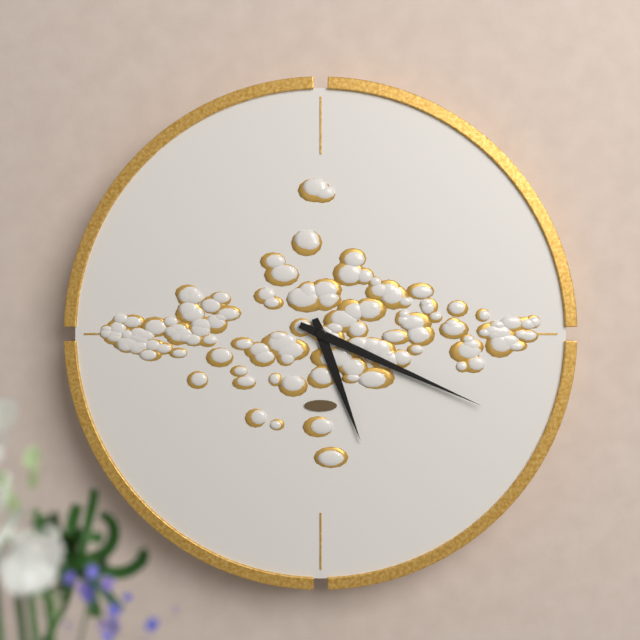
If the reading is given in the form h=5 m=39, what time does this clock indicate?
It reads h=5 m=19
